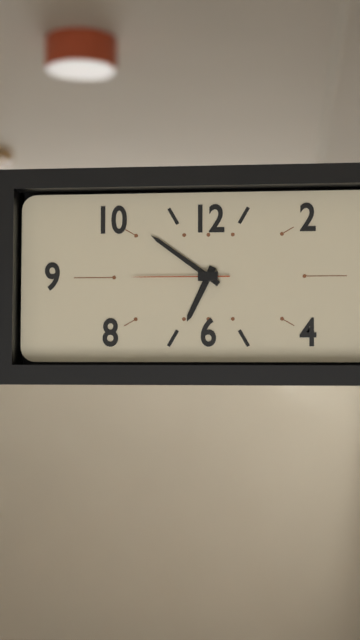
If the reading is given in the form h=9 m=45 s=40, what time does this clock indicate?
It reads h=6 m=51 s=45
